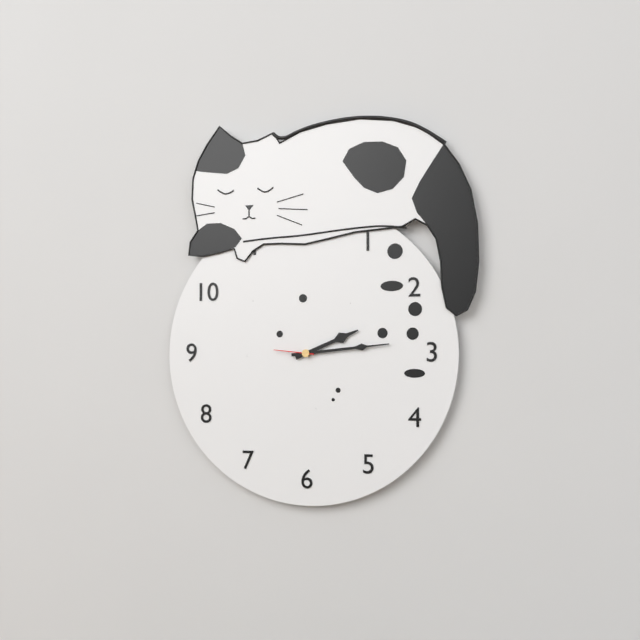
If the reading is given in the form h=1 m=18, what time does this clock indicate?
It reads h=2 m=14
